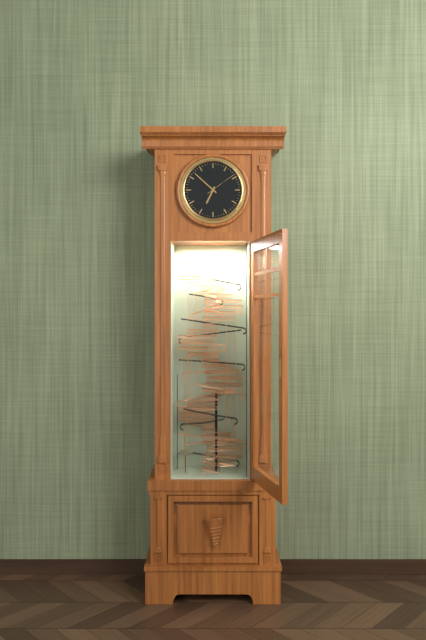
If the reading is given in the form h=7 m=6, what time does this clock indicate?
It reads h=6 m=52
